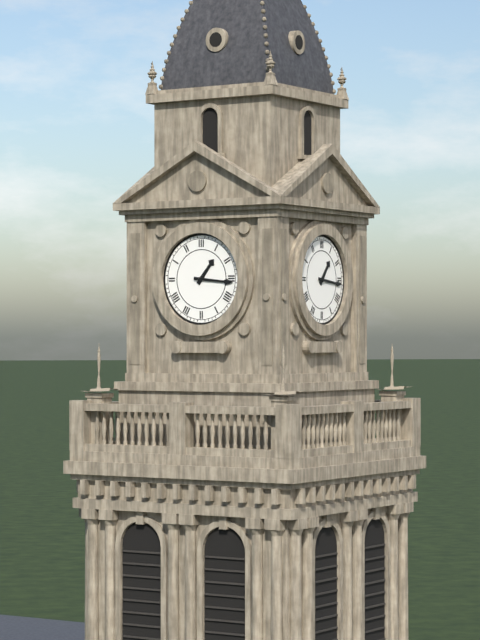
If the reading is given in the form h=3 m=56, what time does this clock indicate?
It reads h=1 m=16
